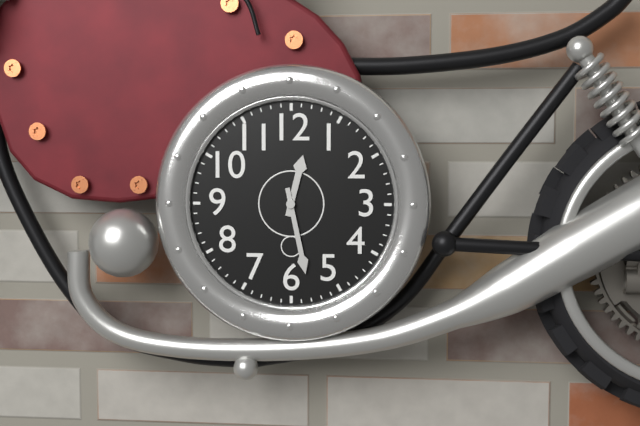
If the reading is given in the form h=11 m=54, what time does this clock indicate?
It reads h=12 m=28
